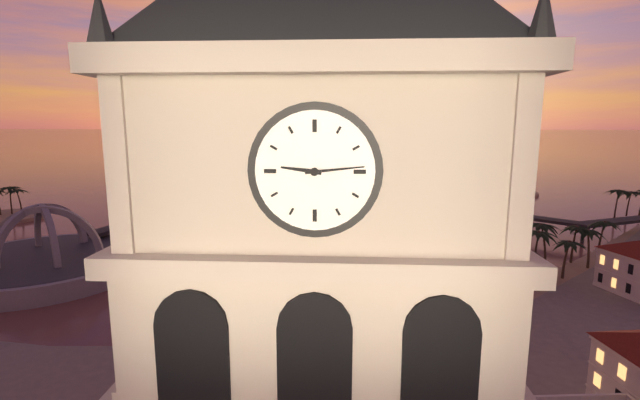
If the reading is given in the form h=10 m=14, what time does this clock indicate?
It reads h=9 m=14
